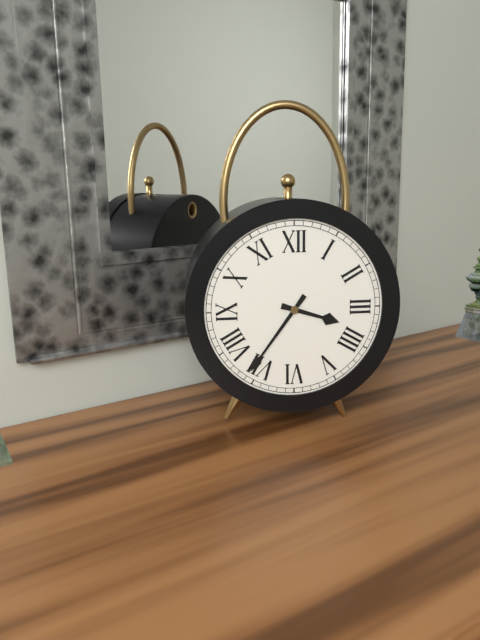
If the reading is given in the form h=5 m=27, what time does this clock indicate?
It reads h=3 m=36
